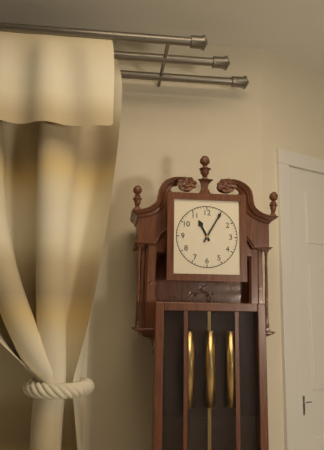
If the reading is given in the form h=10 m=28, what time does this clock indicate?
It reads h=11 m=5
